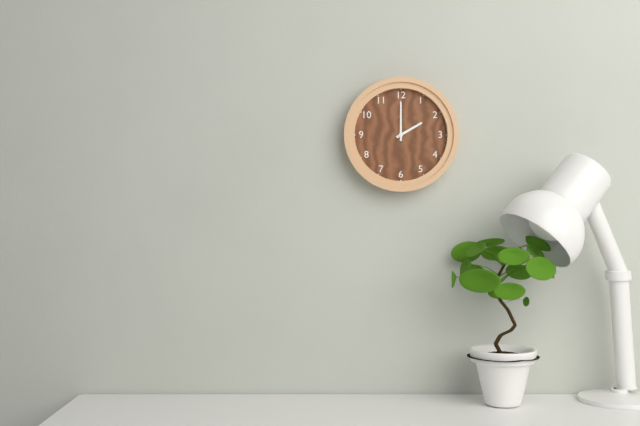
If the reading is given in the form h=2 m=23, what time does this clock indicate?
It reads h=2 m=0
